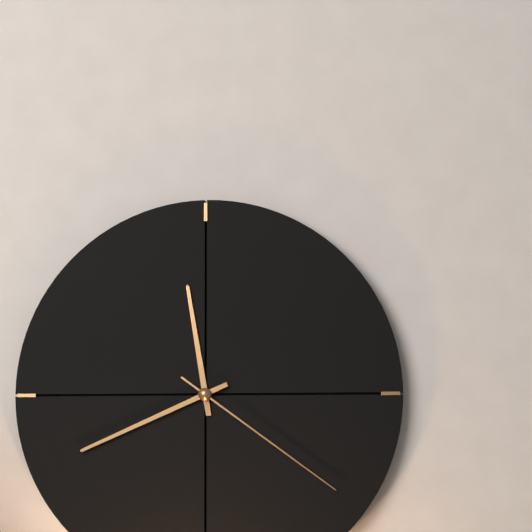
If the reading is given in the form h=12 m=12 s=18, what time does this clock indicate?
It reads h=11 m=41 s=21
